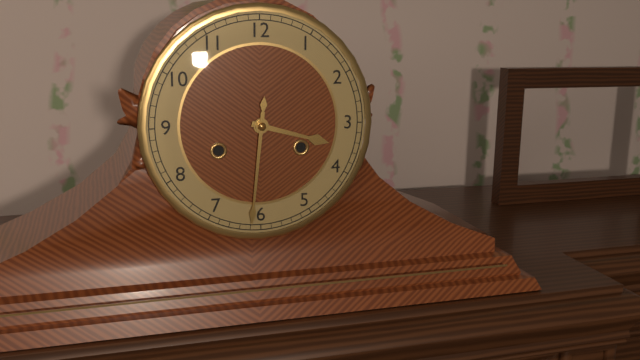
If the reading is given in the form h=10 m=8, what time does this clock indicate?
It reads h=3 m=31
